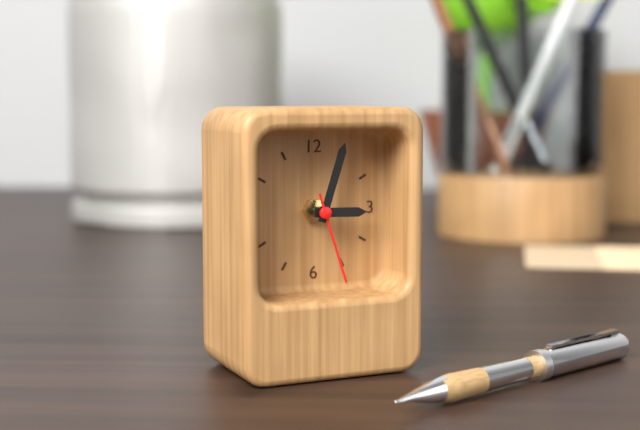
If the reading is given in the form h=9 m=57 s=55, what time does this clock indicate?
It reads h=3 m=3 s=27
